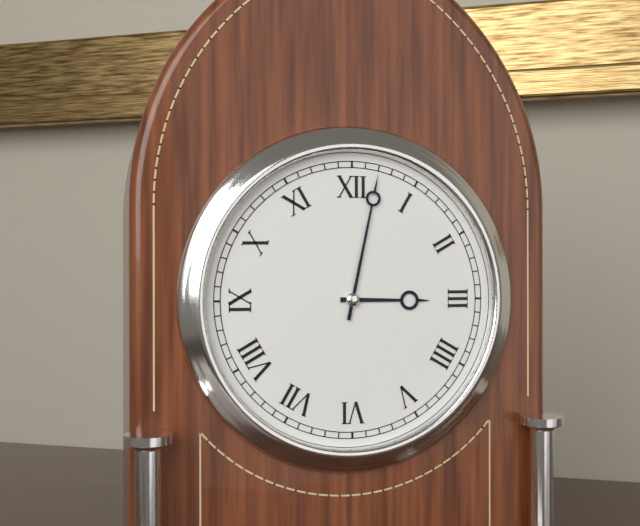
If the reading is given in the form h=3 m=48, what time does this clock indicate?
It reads h=3 m=2
